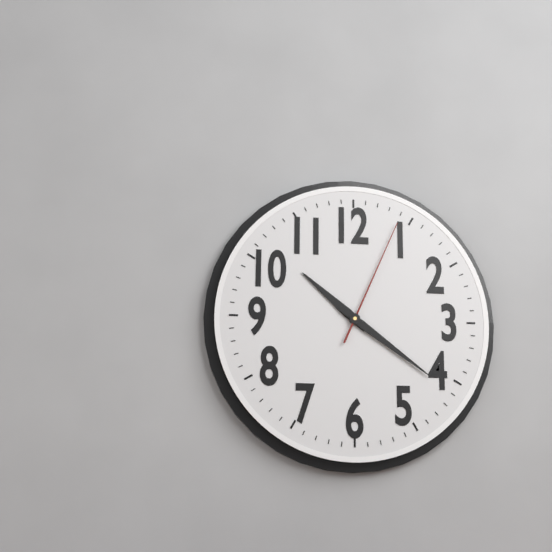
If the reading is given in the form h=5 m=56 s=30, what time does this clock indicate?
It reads h=10 m=21 s=4
